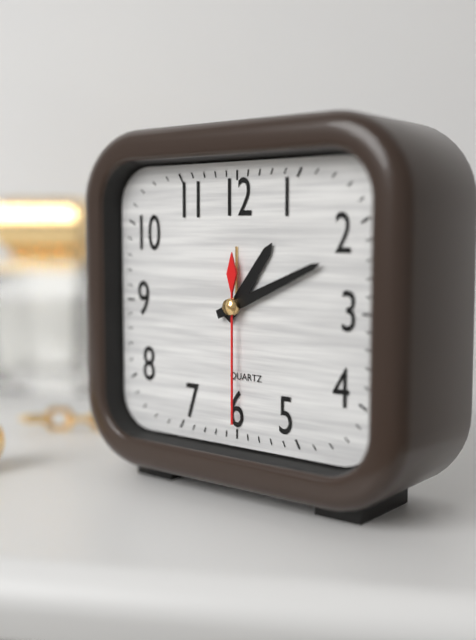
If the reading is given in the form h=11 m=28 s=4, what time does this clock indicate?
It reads h=1 m=11 s=30
